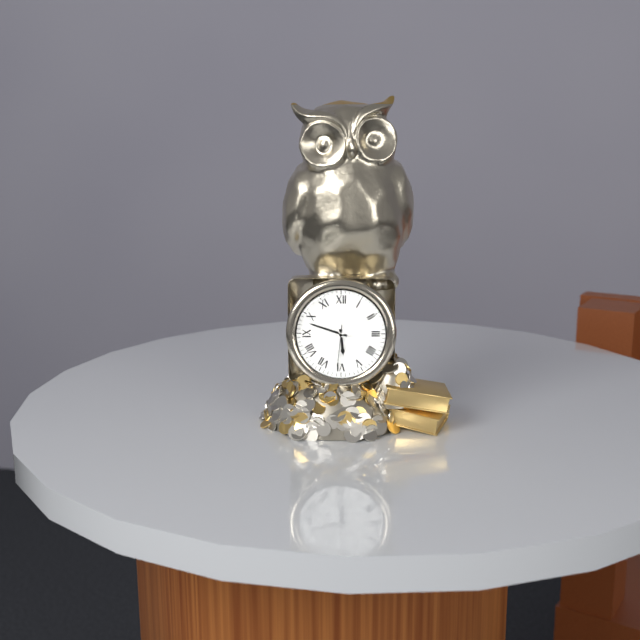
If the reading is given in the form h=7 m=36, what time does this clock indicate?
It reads h=5 m=48
